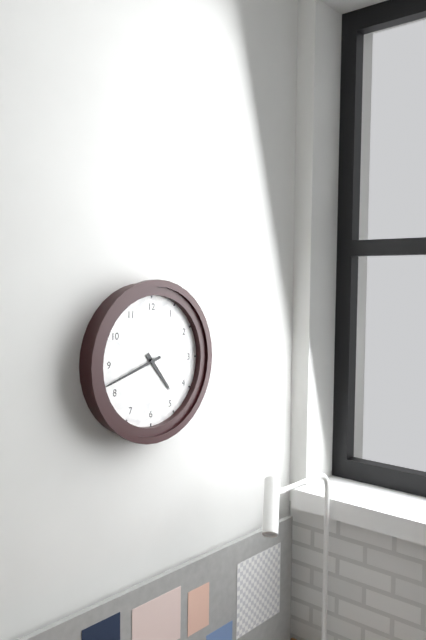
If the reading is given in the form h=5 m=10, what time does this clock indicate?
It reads h=4 m=42
